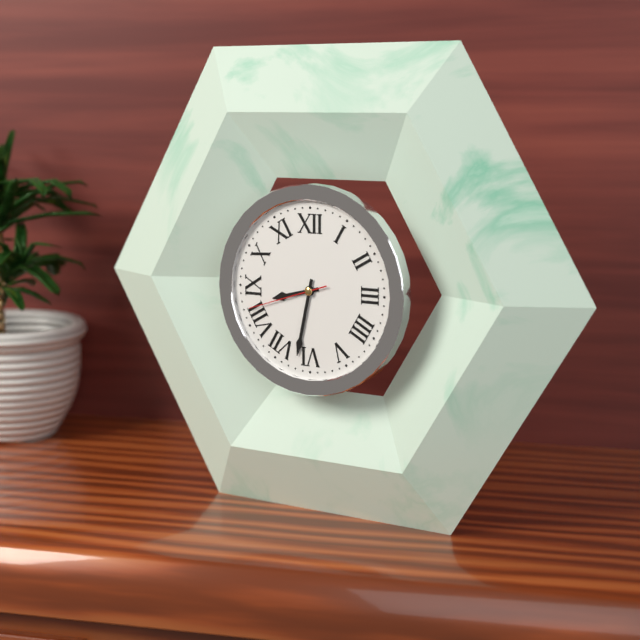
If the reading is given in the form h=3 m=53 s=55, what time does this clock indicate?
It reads h=8 m=32 s=42
